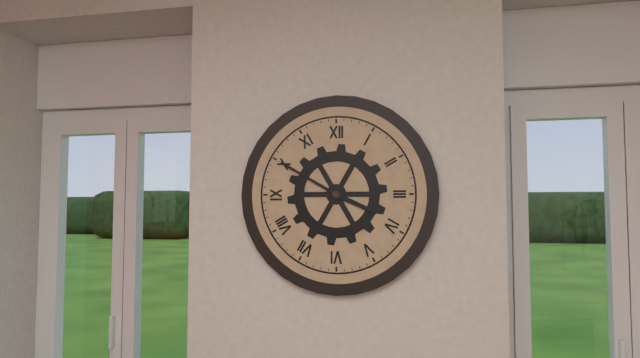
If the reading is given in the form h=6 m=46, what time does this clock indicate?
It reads h=3 m=50
